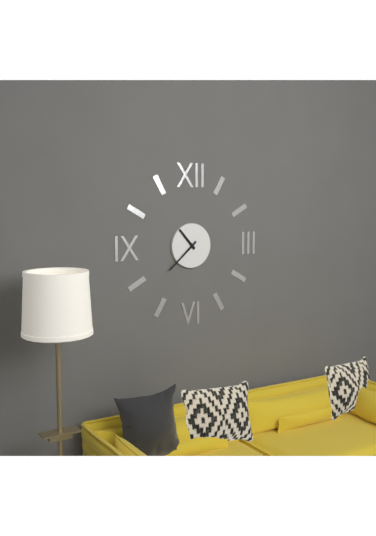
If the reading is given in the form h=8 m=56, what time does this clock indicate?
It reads h=10 m=38
